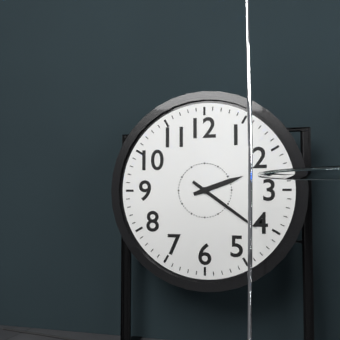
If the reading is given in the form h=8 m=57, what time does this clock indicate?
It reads h=2 m=21
